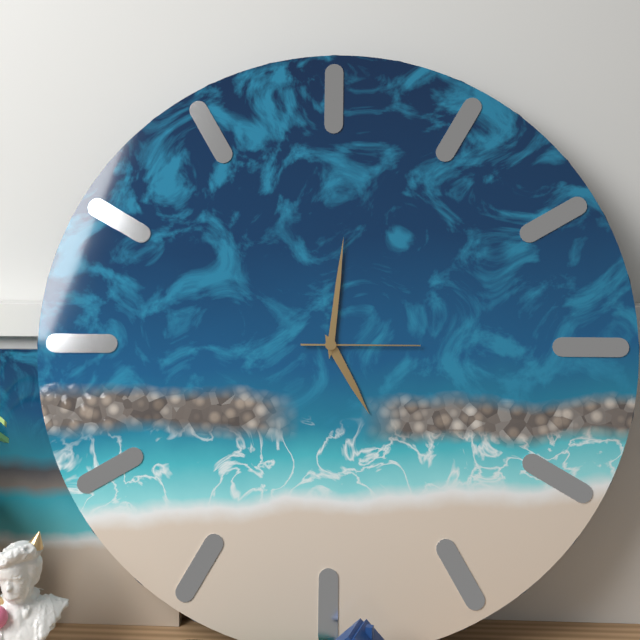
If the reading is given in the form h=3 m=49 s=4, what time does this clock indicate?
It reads h=5 m=1 s=15
